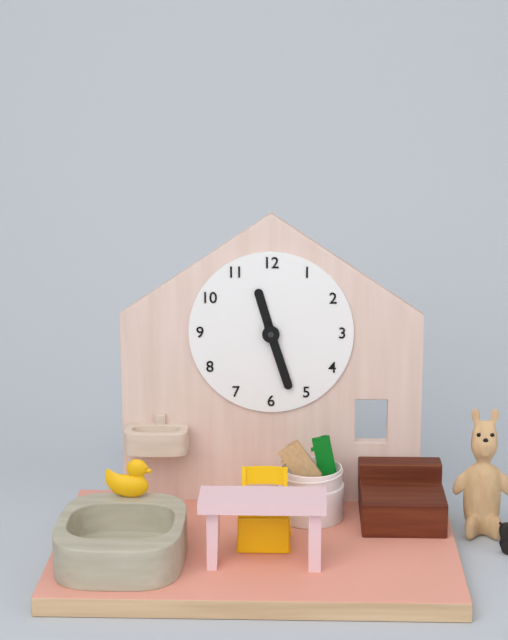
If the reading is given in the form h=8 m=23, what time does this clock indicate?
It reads h=11 m=27
